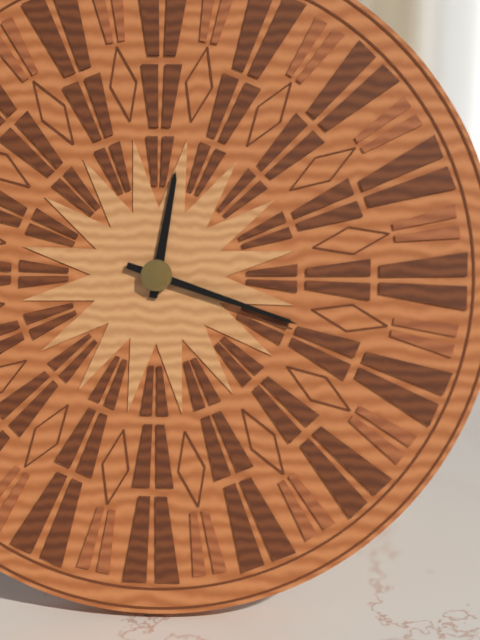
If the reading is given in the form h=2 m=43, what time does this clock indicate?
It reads h=12 m=18
